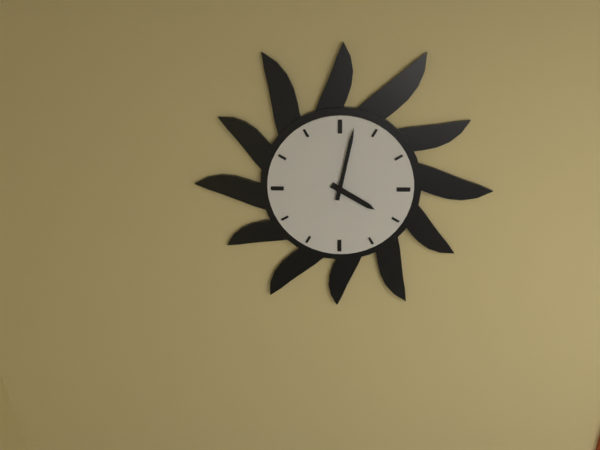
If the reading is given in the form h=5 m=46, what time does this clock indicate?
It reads h=4 m=2
